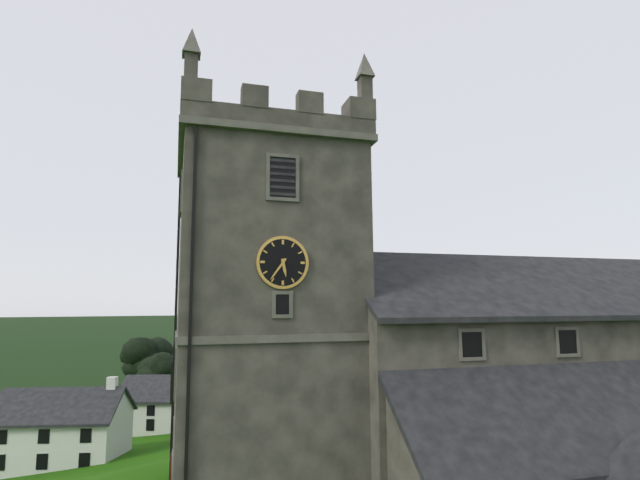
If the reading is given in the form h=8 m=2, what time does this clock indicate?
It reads h=5 m=36
